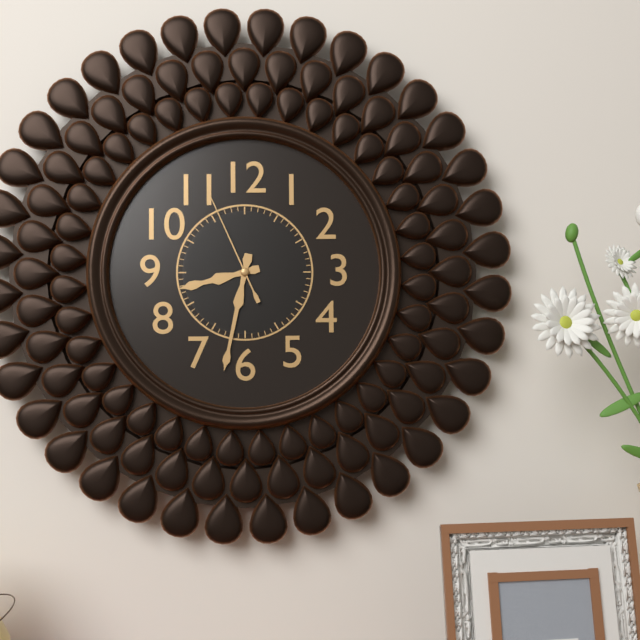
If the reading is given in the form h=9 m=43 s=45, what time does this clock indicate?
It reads h=8 m=32 s=56
